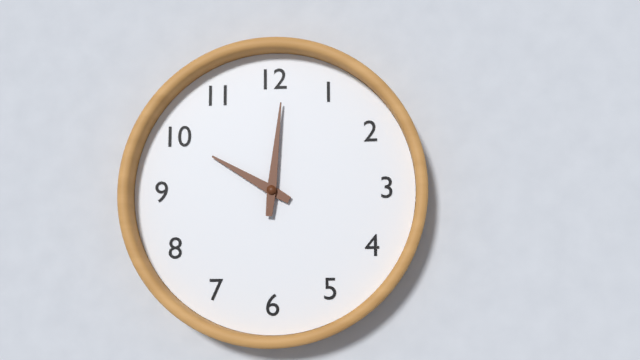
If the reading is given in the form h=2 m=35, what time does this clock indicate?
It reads h=10 m=1
